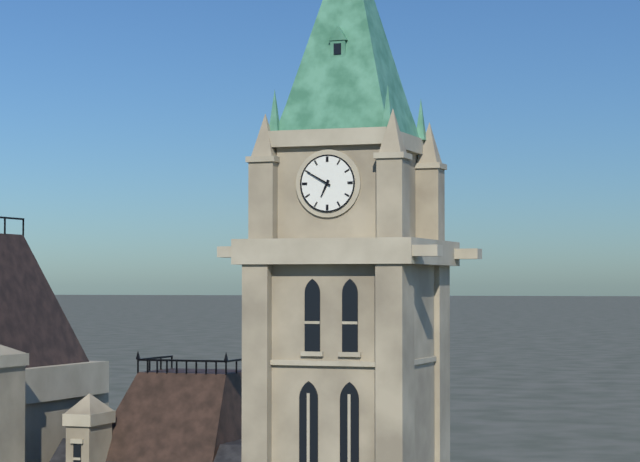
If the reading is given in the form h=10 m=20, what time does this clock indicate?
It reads h=6 m=50
